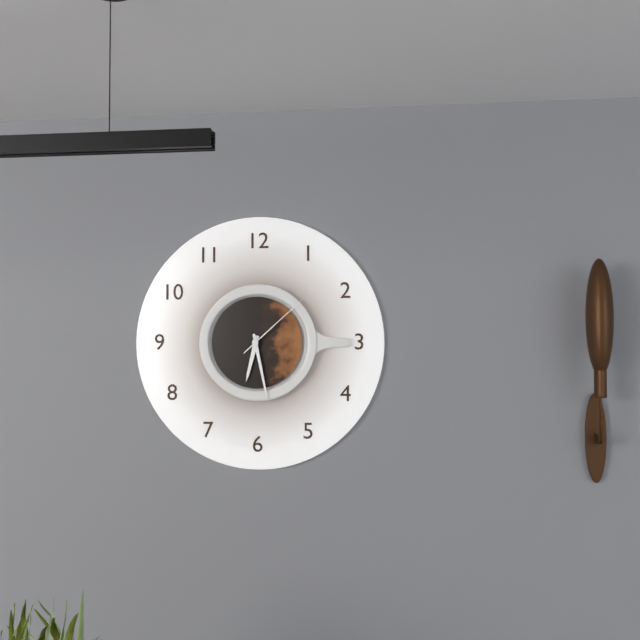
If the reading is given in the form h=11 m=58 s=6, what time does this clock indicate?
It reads h=6 m=28 s=8
